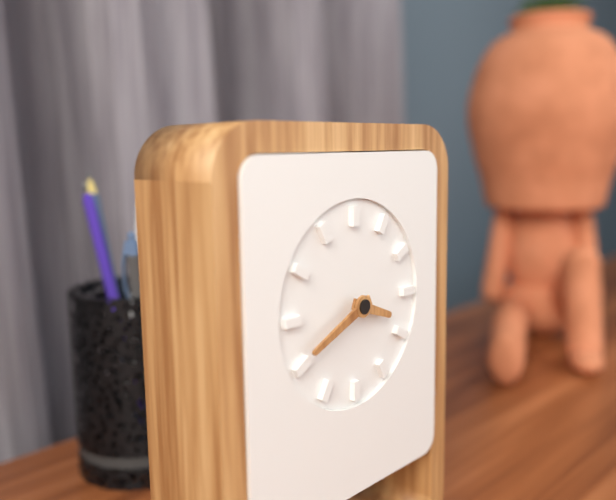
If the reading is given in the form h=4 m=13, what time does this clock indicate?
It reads h=3 m=41
